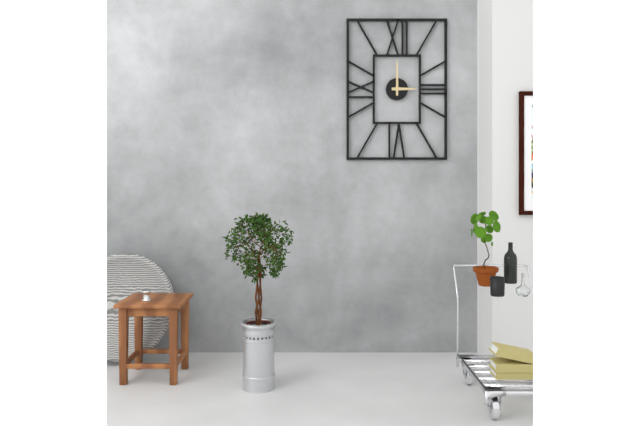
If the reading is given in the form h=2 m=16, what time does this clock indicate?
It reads h=3 m=0
